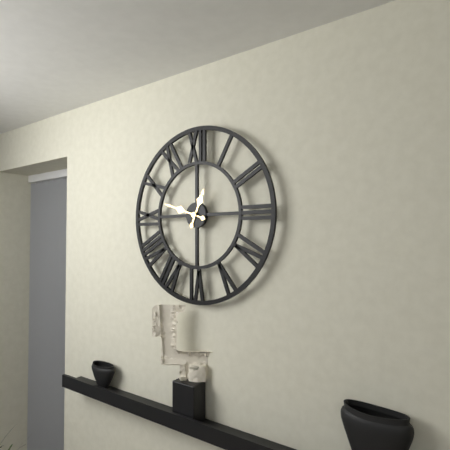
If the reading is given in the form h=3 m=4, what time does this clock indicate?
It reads h=12 m=48
